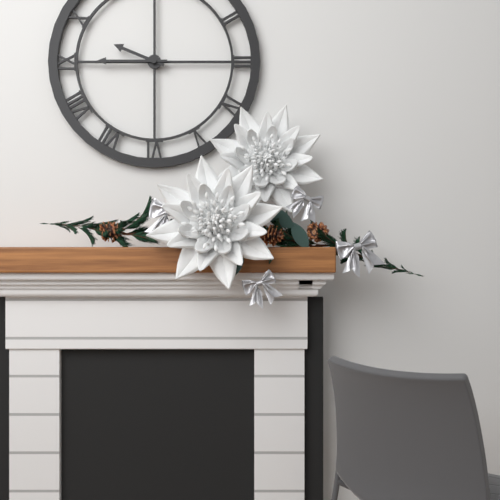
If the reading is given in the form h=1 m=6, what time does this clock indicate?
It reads h=9 m=45
